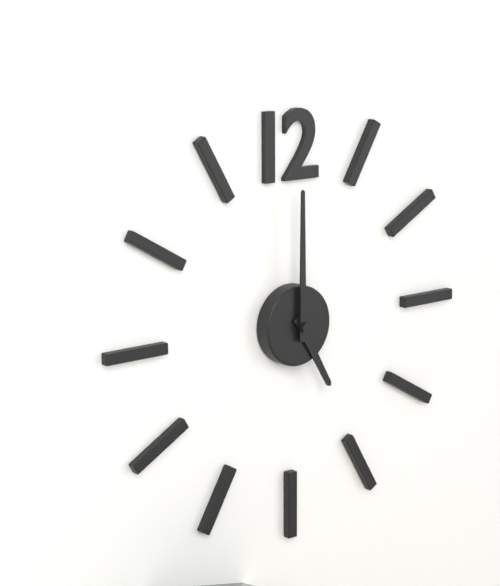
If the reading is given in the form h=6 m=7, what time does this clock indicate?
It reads h=5 m=0
